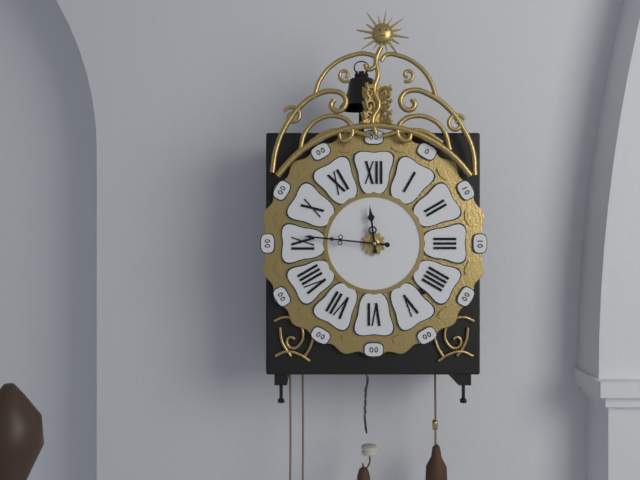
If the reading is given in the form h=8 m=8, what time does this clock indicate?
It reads h=11 m=46
